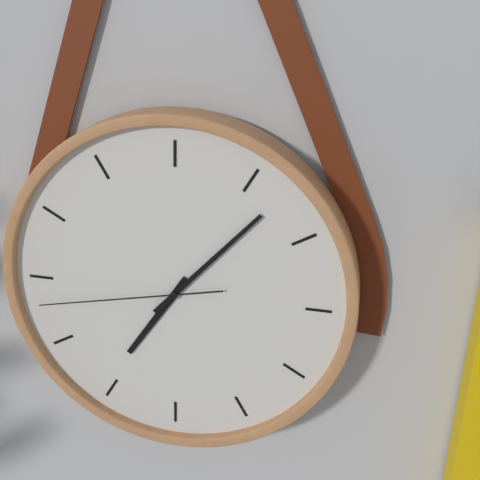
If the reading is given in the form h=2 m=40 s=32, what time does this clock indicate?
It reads h=7 m=7 s=43
